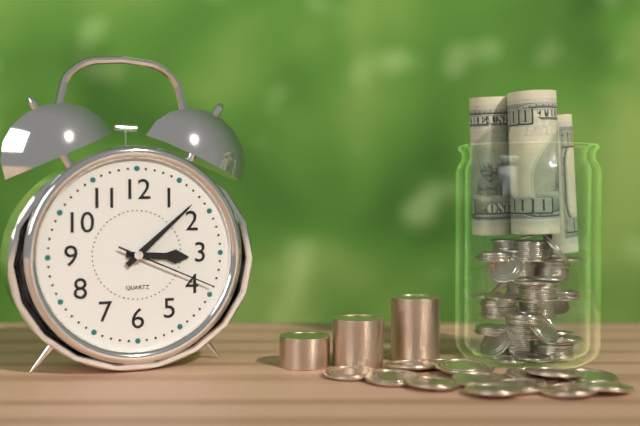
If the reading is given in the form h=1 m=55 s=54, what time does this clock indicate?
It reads h=3 m=8 s=19
